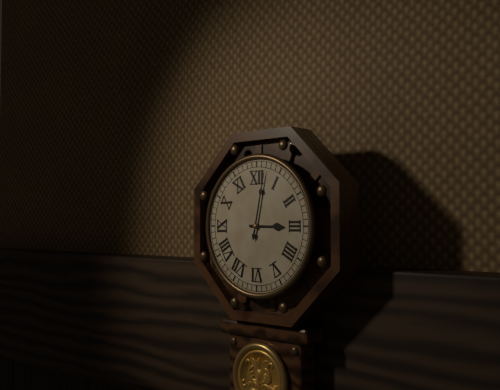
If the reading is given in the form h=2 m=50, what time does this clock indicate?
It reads h=3 m=2
